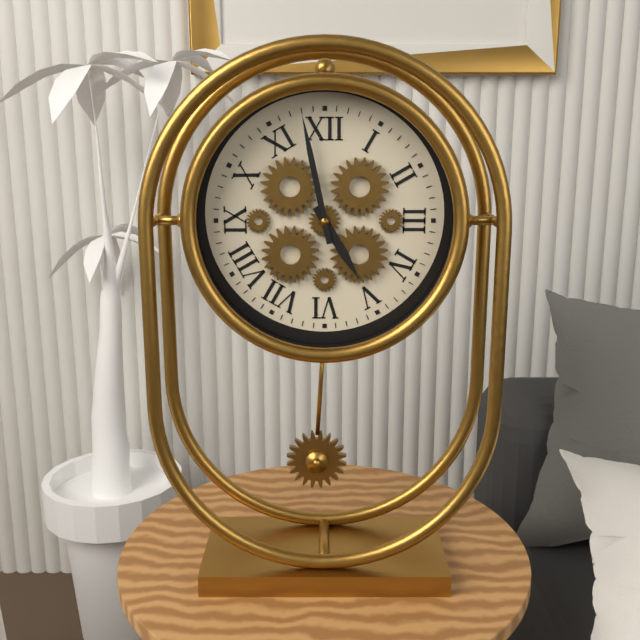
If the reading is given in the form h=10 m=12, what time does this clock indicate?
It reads h=4 m=58
